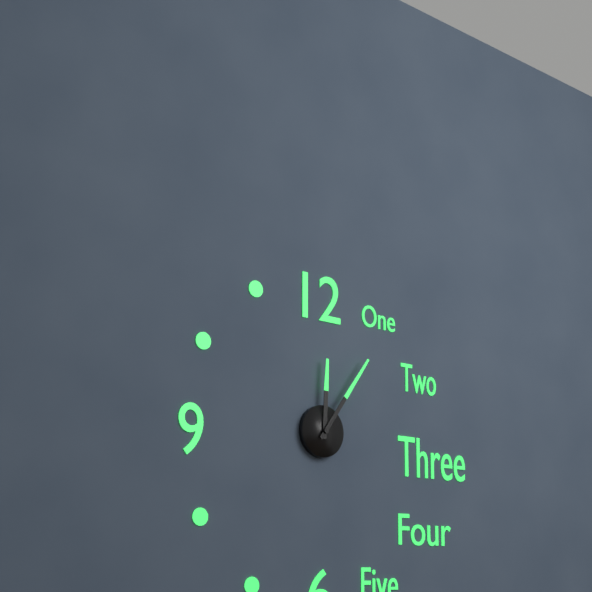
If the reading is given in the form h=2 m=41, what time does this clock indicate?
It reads h=12 m=6
